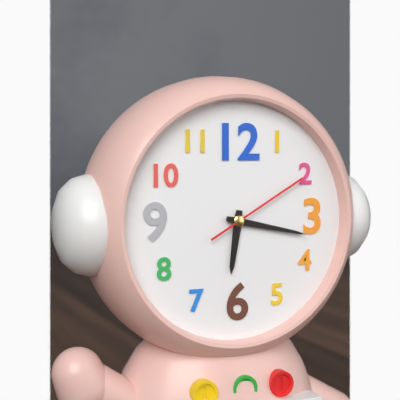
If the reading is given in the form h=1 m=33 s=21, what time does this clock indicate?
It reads h=6 m=17 s=10
